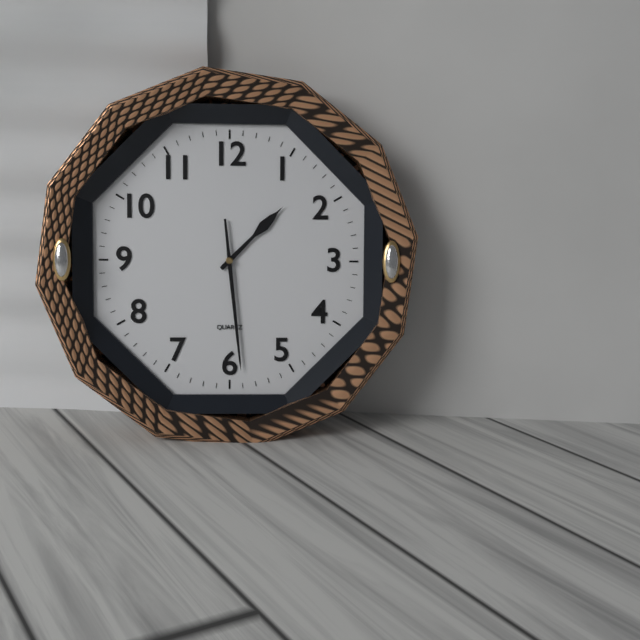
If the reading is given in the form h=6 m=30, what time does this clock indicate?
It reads h=1 m=29
